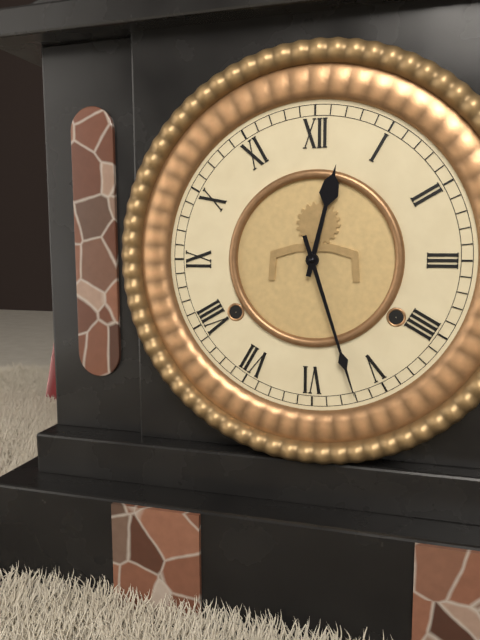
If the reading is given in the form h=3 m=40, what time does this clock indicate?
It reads h=12 m=27
